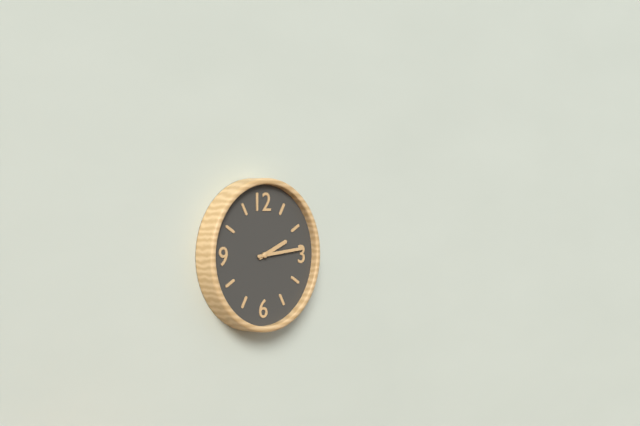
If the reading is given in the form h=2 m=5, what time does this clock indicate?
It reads h=2 m=14
